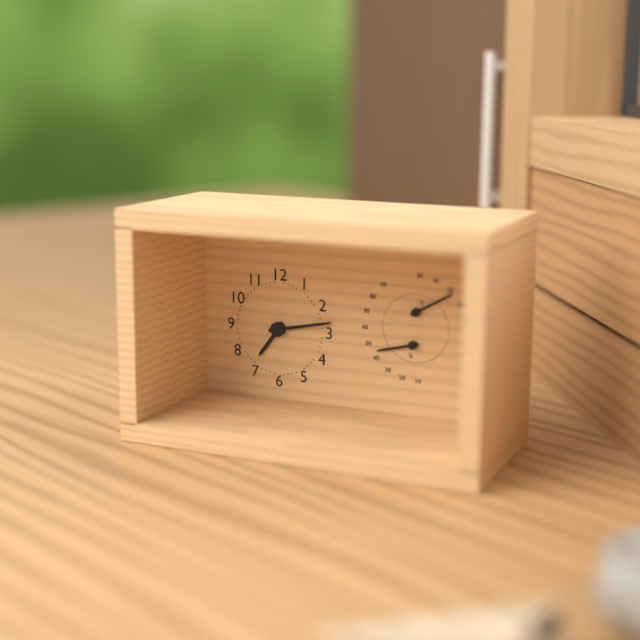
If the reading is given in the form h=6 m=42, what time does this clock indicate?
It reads h=7 m=13
